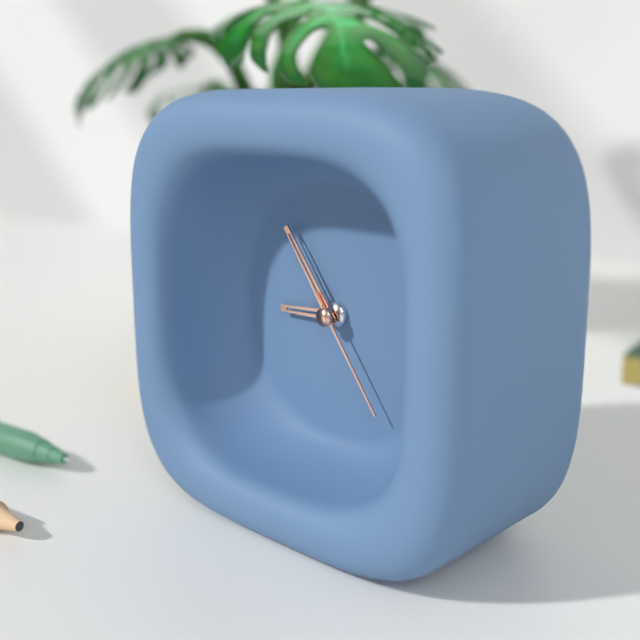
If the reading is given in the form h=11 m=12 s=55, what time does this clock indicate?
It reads h=8 m=54 s=24
